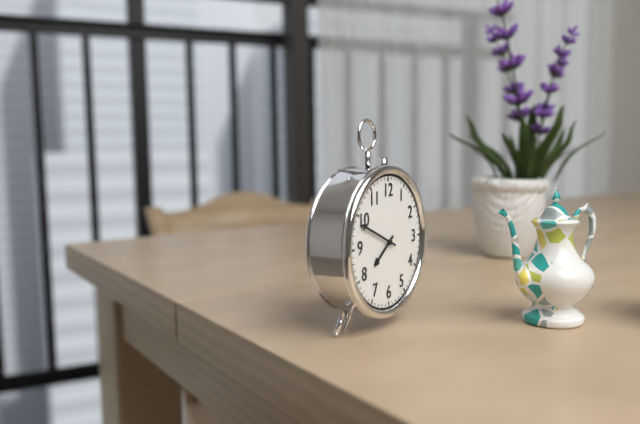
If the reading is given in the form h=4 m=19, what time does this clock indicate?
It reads h=7 m=49
